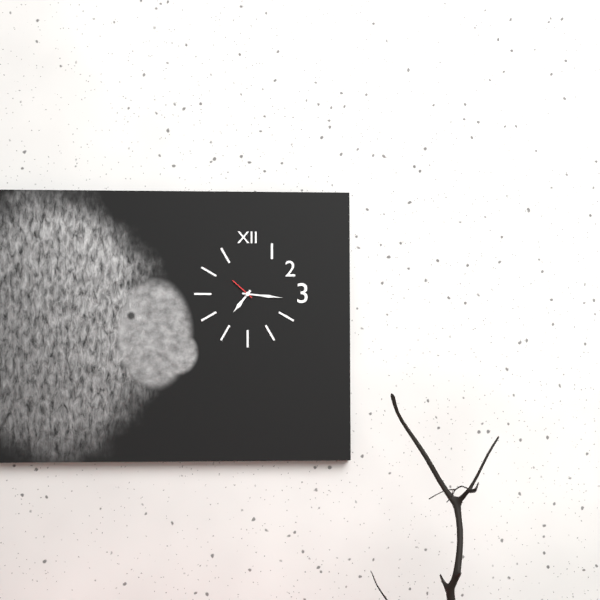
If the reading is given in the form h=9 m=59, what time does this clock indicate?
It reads h=7 m=16
